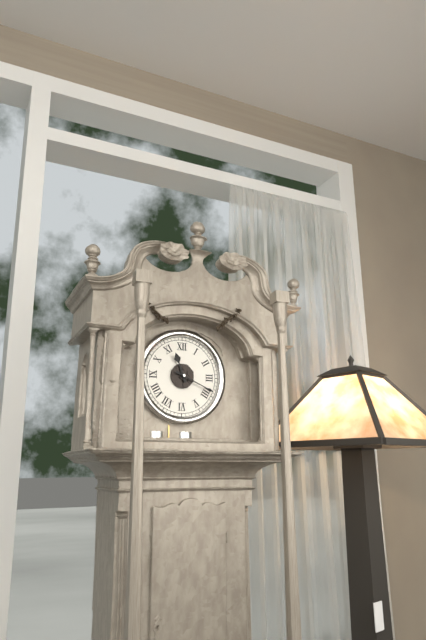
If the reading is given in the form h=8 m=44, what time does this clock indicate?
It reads h=11 m=19
